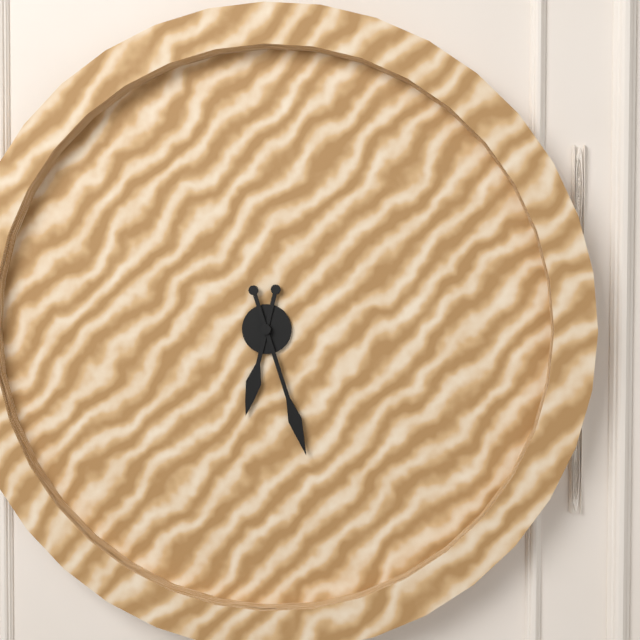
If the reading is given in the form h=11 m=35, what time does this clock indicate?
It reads h=6 m=27
